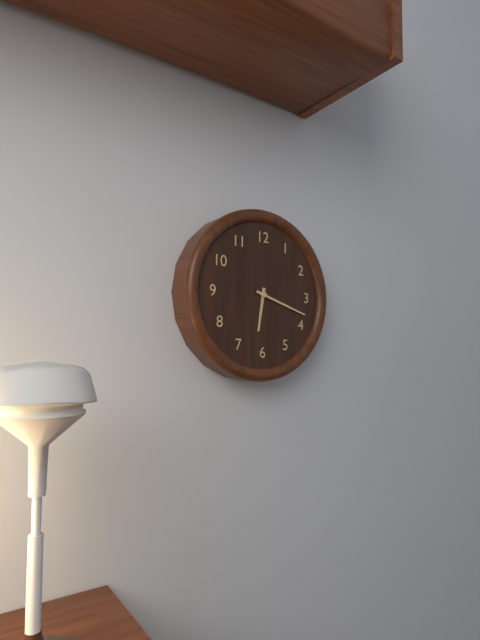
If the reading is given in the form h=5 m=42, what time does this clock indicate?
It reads h=6 m=18
